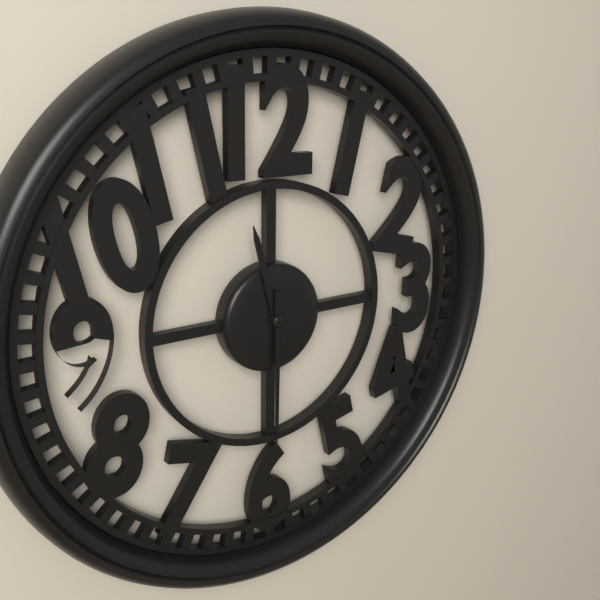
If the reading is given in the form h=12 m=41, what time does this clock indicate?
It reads h=11 m=30
